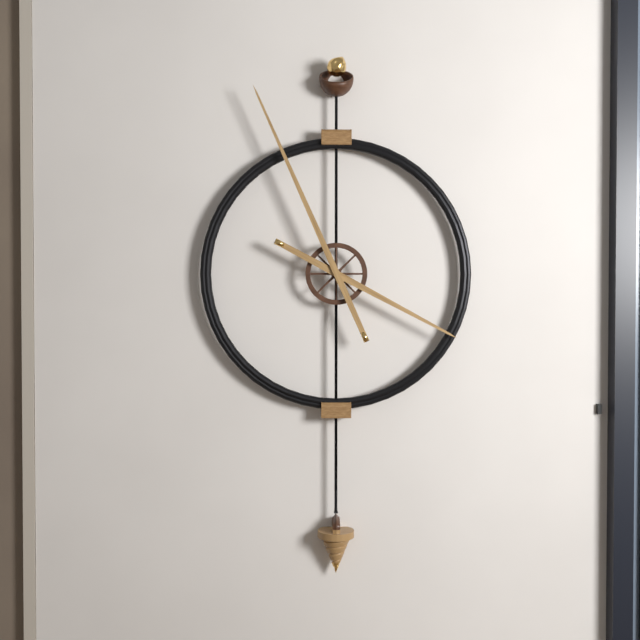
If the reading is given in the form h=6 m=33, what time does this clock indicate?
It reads h=3 m=56
